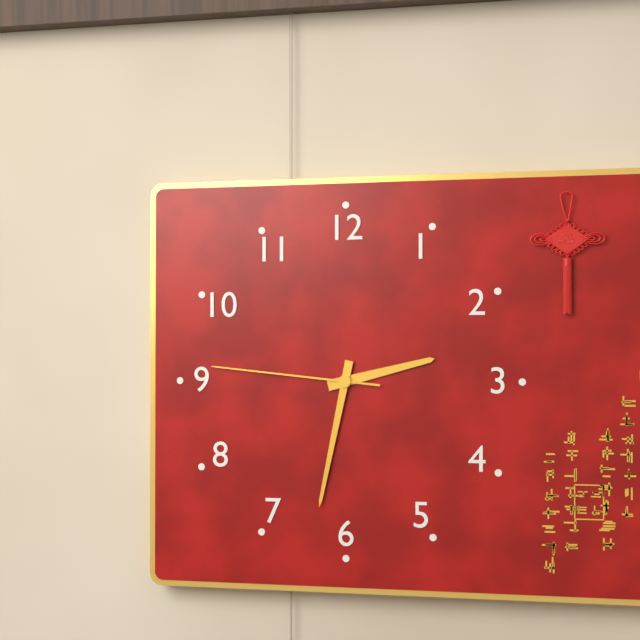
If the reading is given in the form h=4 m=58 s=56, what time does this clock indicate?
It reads h=2 m=32 s=46
